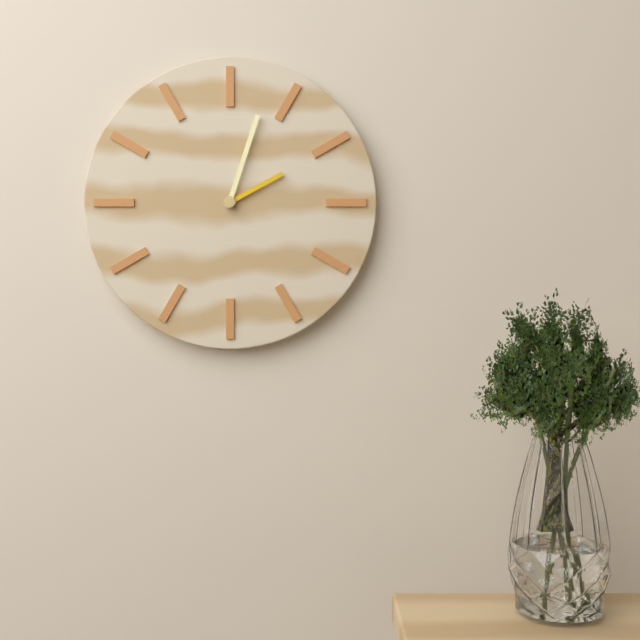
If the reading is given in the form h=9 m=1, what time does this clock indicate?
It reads h=2 m=3
